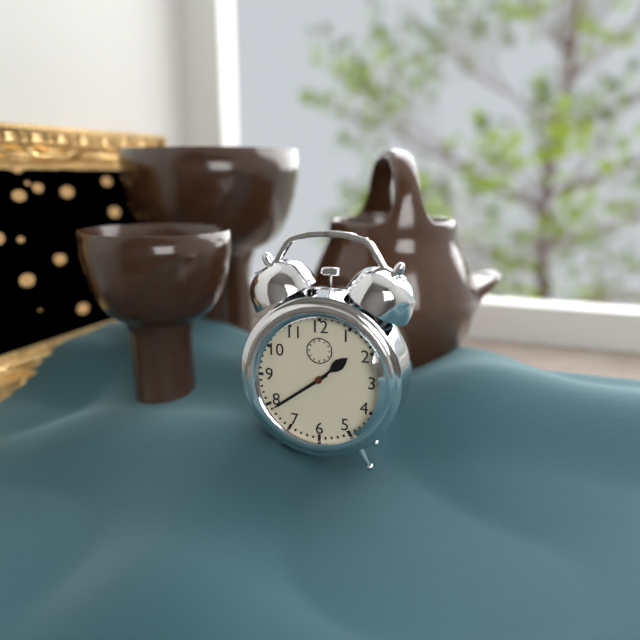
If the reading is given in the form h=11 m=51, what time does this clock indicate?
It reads h=1 m=39
